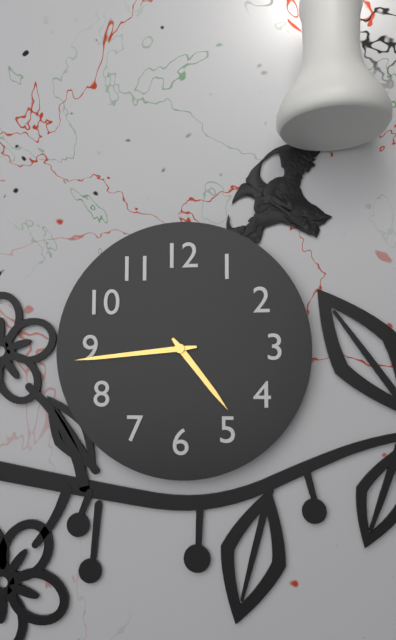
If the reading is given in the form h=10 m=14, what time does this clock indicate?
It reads h=4 m=44
